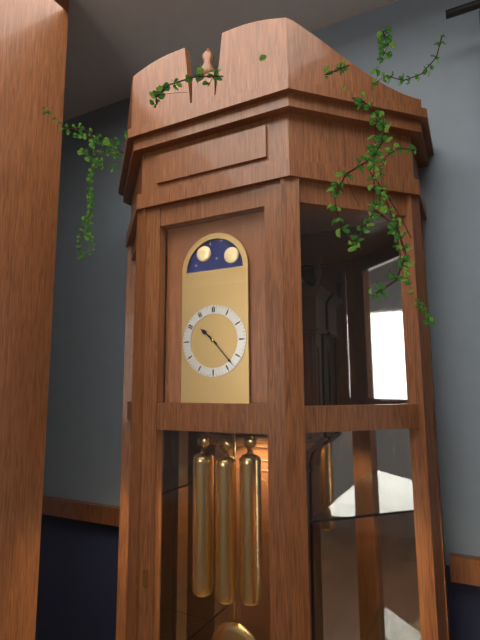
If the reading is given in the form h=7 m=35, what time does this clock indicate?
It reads h=10 m=23
